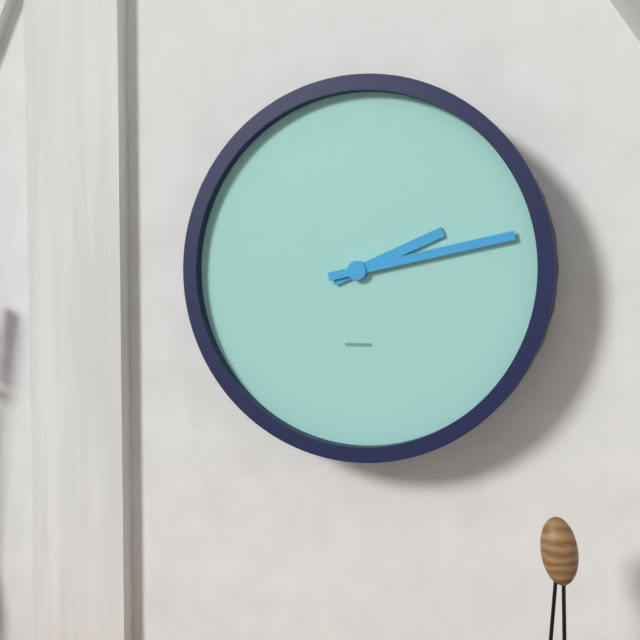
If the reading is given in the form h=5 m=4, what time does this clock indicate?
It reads h=2 m=13
